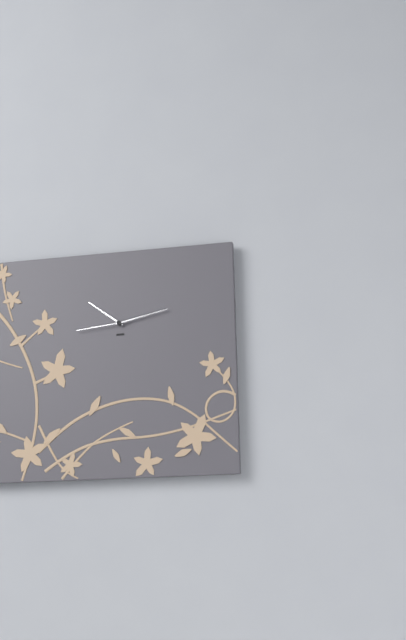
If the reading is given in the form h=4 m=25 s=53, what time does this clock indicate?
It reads h=10 m=13 s=44
